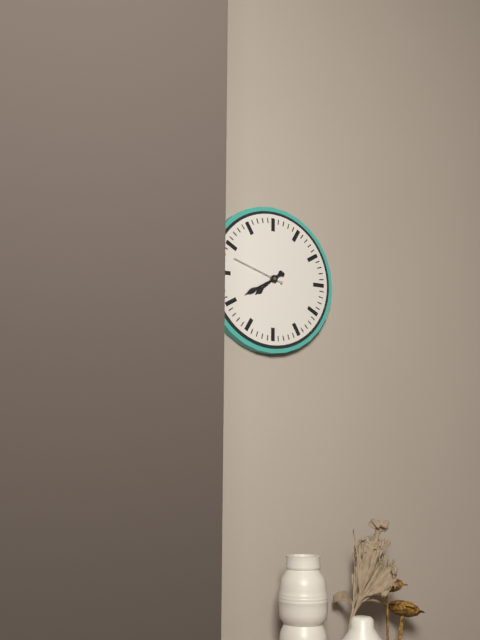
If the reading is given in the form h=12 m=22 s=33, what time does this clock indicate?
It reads h=7 m=40 s=48
